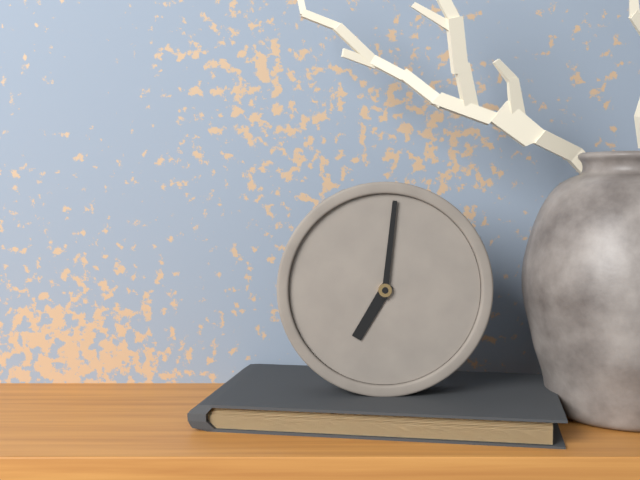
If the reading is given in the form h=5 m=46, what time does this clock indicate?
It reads h=7 m=1
